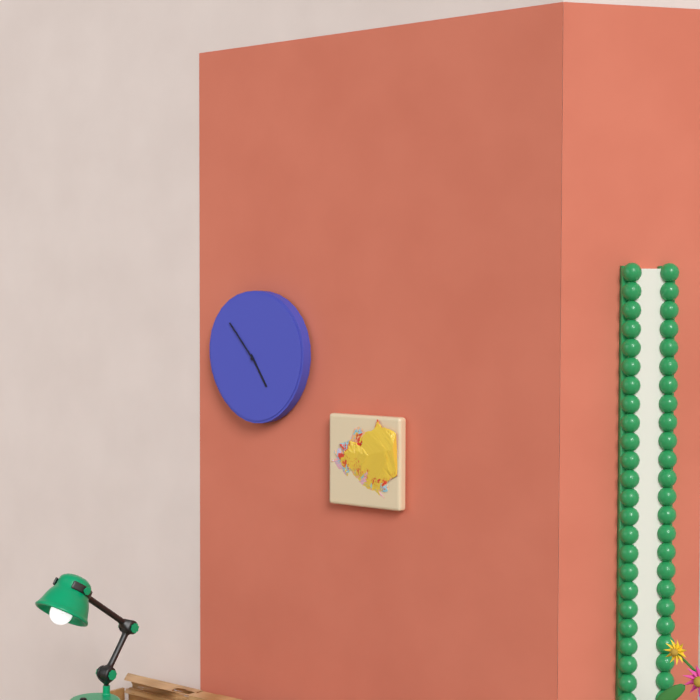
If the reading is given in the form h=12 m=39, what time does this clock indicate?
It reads h=4 m=53
